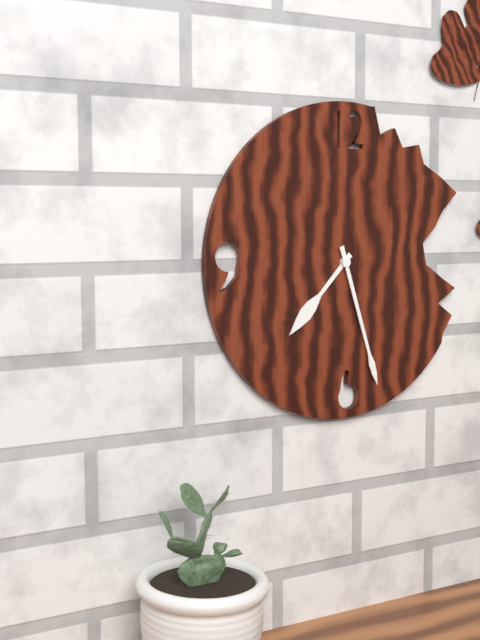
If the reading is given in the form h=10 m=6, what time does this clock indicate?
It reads h=7 m=27
